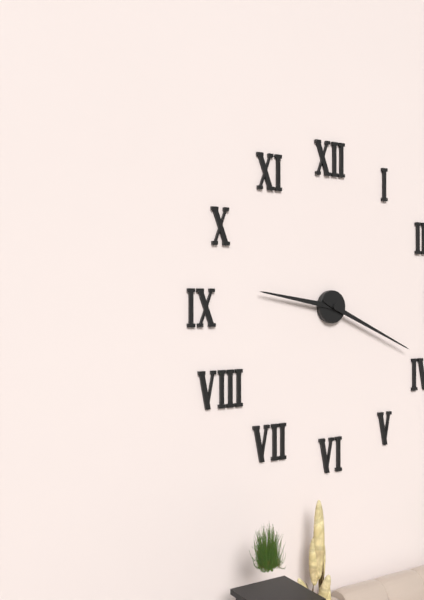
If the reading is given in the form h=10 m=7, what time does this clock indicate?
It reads h=9 m=19
